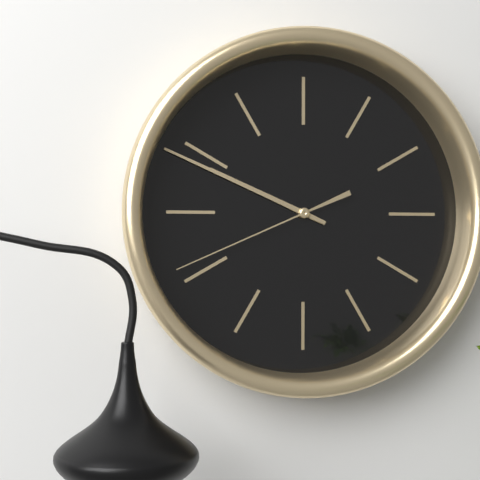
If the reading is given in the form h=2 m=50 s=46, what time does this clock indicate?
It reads h=9 m=49 s=41
